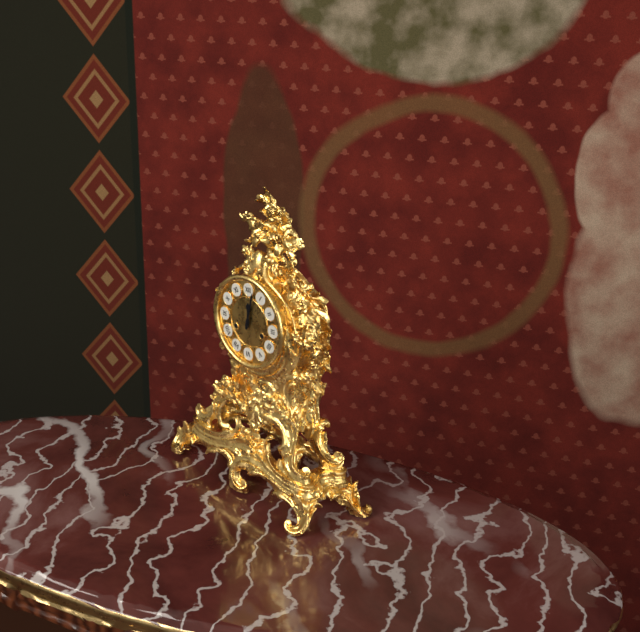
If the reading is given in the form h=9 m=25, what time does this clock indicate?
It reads h=12 m=2
